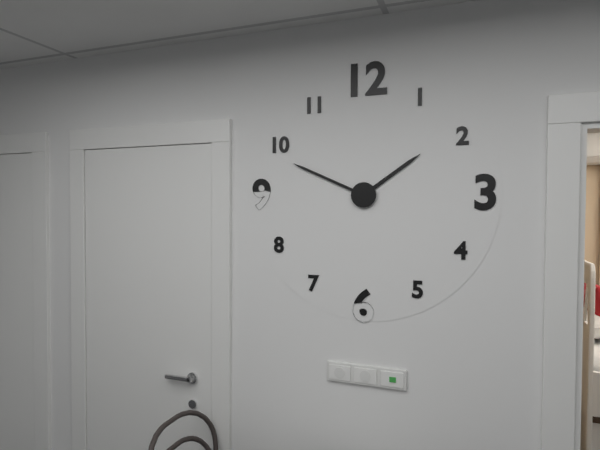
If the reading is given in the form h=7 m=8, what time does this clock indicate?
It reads h=1 m=49
